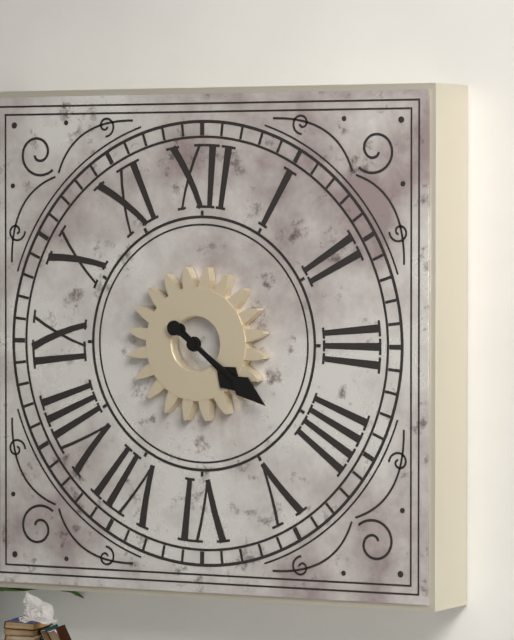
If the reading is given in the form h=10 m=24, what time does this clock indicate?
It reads h=4 m=21
